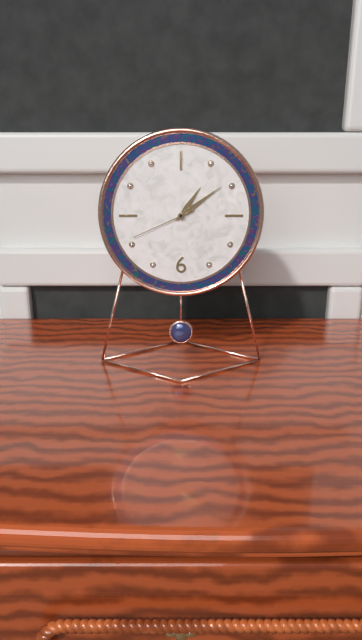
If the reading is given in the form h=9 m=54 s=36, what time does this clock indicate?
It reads h=1 m=9 s=41
